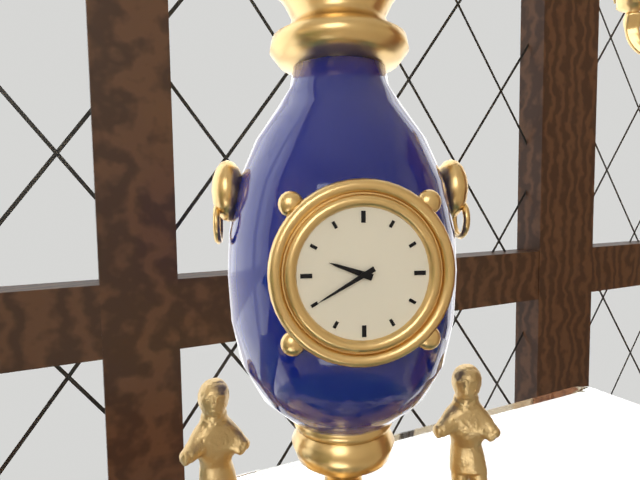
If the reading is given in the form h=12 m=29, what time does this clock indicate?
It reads h=9 m=40
